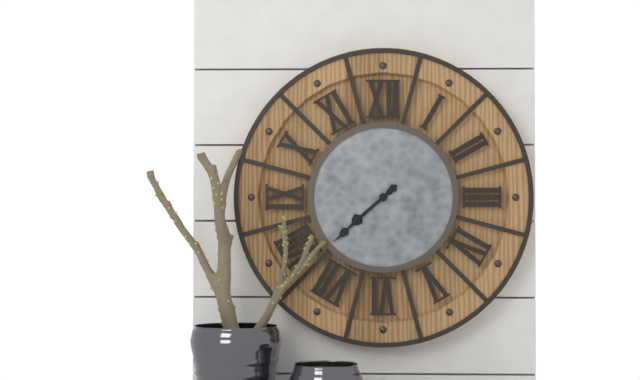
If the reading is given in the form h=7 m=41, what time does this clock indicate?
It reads h=7 m=38
